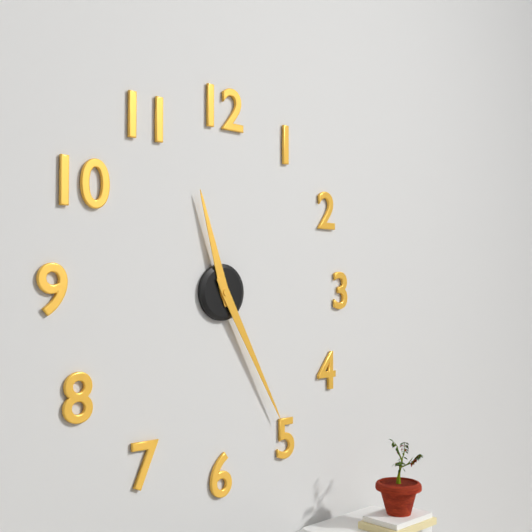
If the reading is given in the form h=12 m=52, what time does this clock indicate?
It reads h=11 m=25
